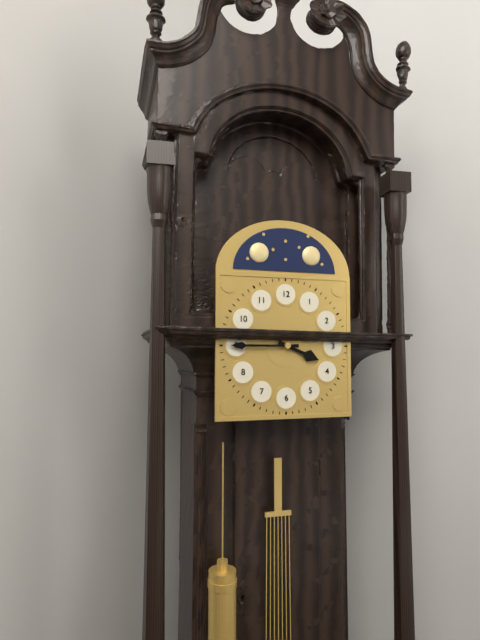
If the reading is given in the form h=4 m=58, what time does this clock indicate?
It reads h=3 m=45
